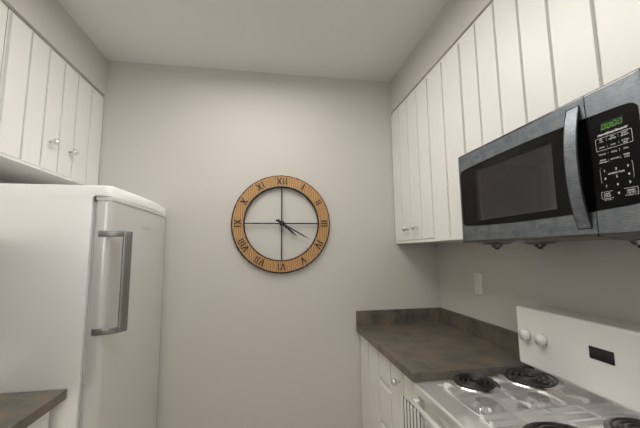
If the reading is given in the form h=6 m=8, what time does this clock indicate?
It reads h=4 m=20
